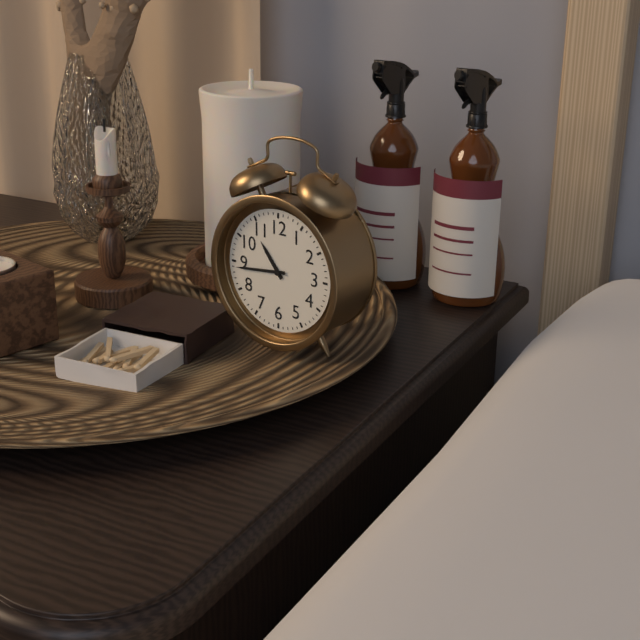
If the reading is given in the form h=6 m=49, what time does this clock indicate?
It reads h=10 m=44
